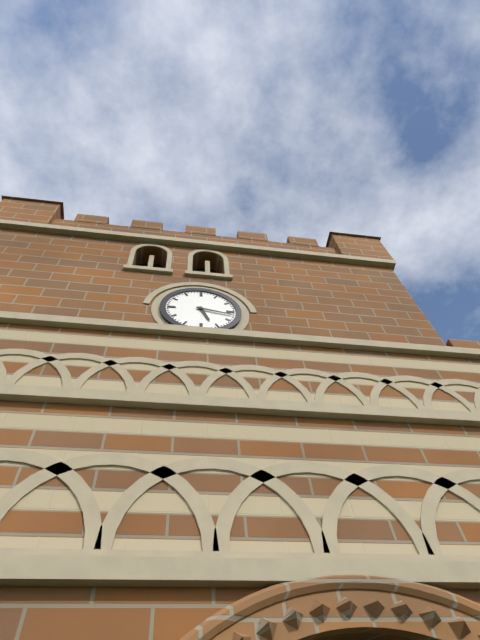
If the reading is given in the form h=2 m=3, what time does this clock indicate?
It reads h=5 m=17
